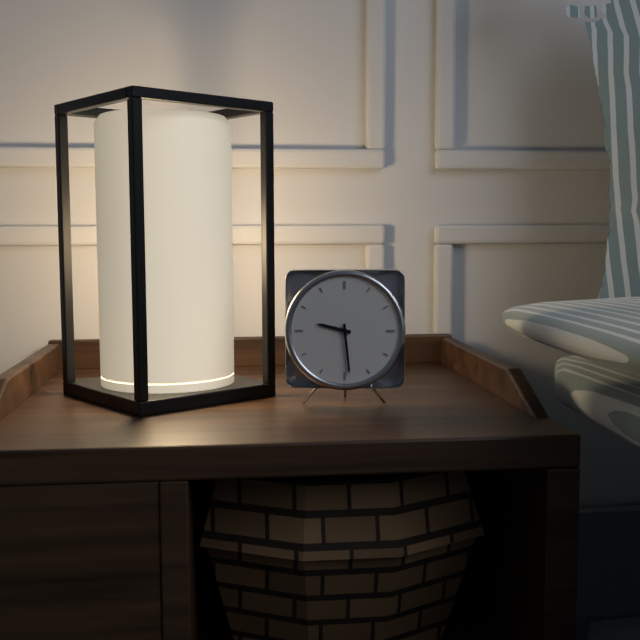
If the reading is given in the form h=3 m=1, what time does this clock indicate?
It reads h=9 m=29
